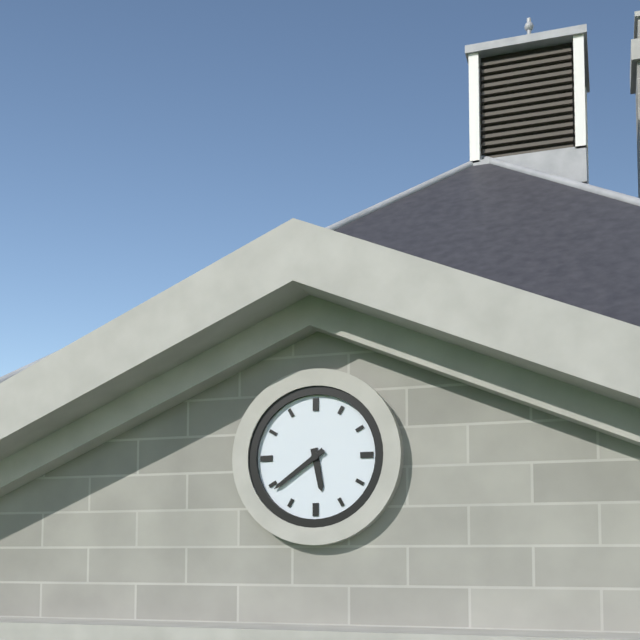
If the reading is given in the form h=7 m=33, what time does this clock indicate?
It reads h=5 m=39
